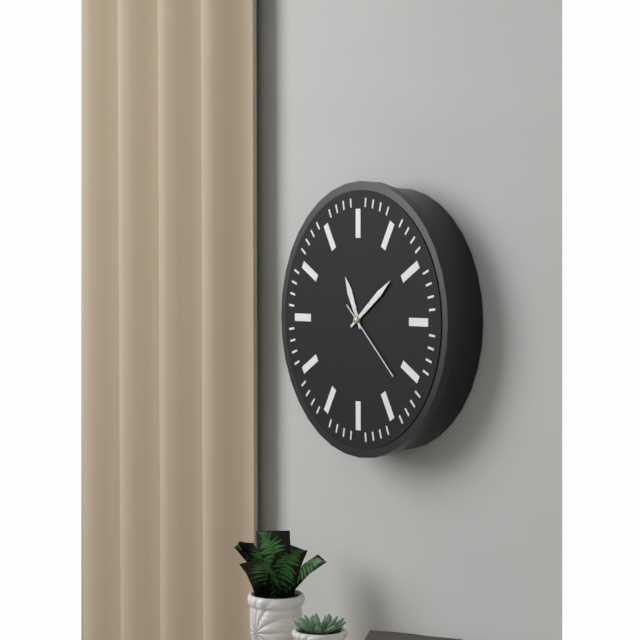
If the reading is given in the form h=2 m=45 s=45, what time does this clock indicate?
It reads h=11 m=9 s=22
